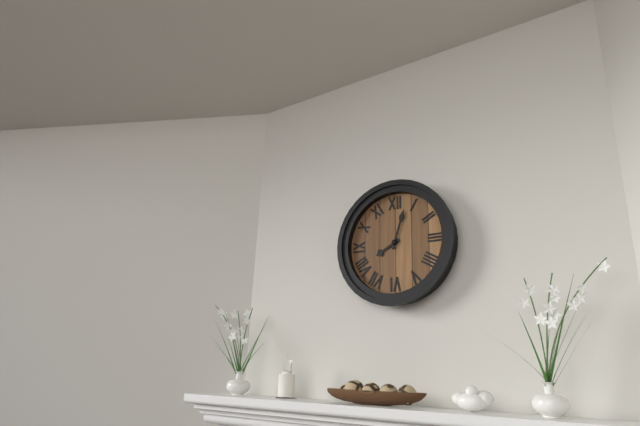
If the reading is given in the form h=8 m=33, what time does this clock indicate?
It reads h=8 m=3
